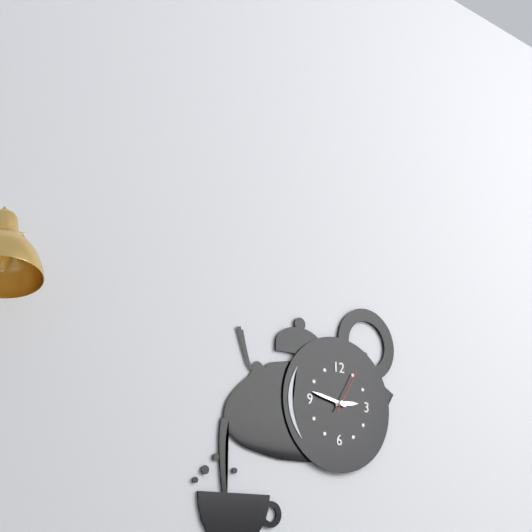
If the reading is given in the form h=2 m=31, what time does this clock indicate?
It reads h=2 m=47
